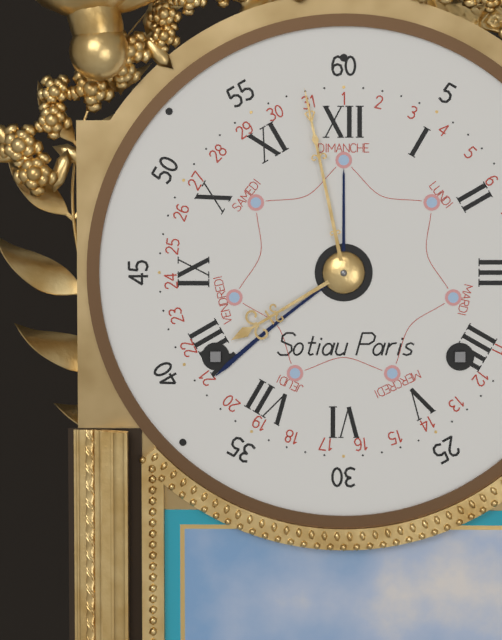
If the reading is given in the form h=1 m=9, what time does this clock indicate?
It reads h=7 m=58
